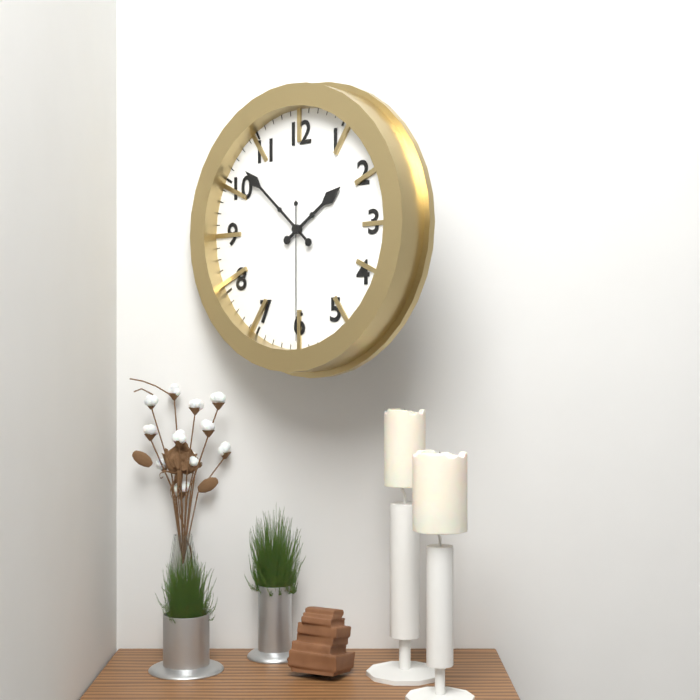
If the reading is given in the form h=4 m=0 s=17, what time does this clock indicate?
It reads h=1 m=52 s=30
